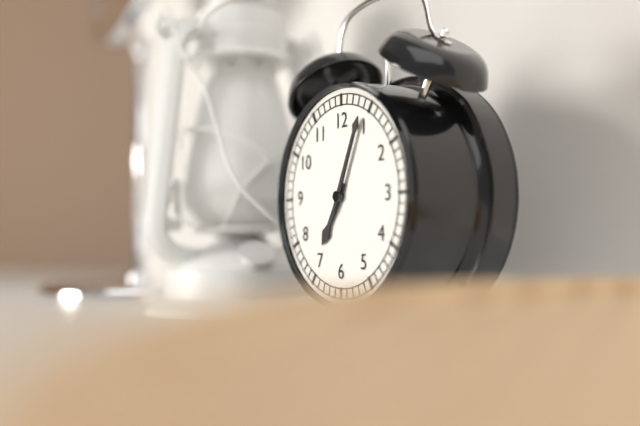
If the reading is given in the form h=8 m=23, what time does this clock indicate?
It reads h=7 m=4
